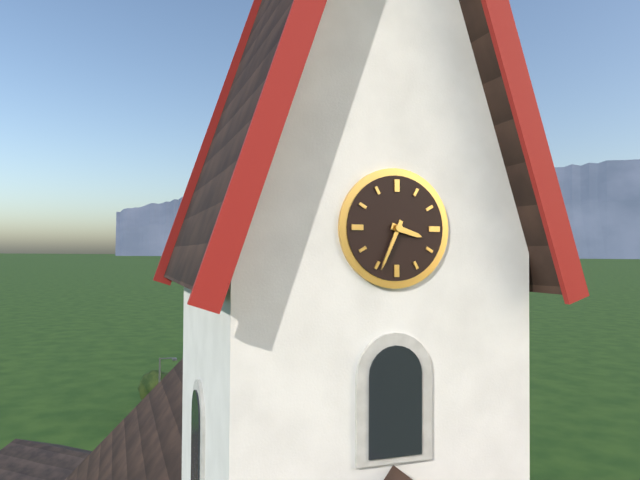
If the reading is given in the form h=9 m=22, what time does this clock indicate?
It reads h=3 m=34
